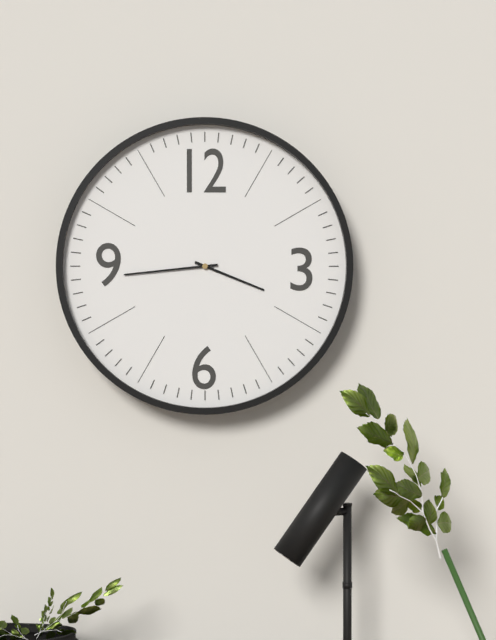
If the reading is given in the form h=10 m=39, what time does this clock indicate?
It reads h=3 m=44
